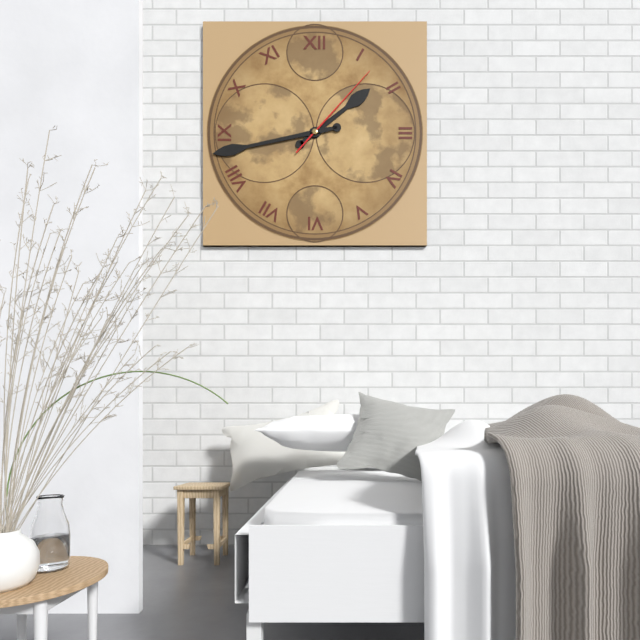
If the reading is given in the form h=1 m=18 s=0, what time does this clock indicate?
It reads h=1 m=43 s=7
